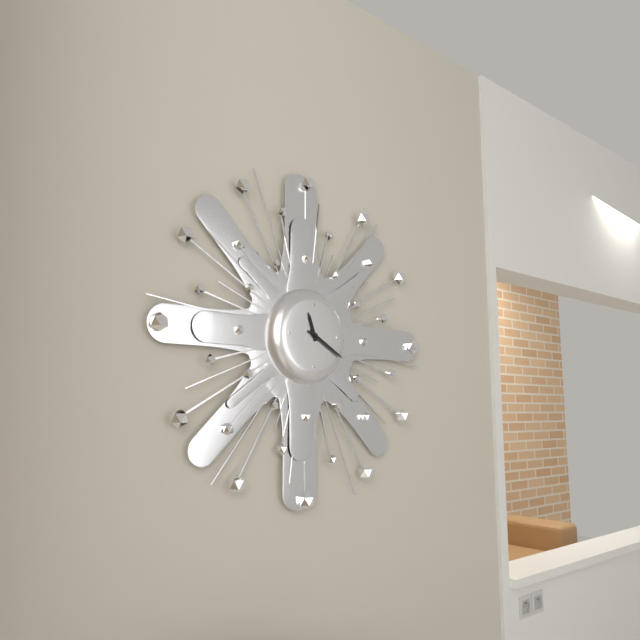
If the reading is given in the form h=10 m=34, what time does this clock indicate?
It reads h=11 m=20
